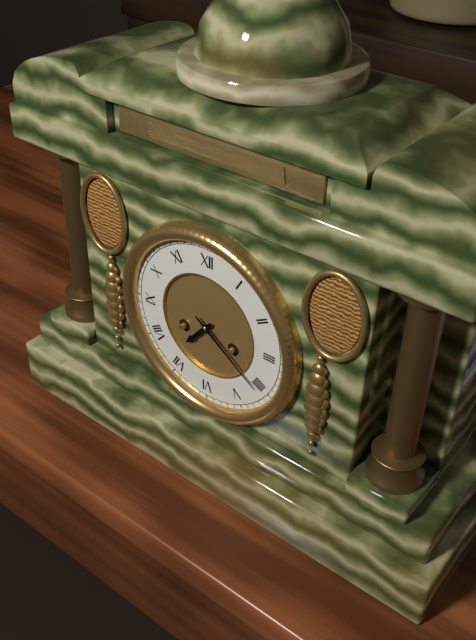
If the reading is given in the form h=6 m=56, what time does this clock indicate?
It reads h=7 m=21
